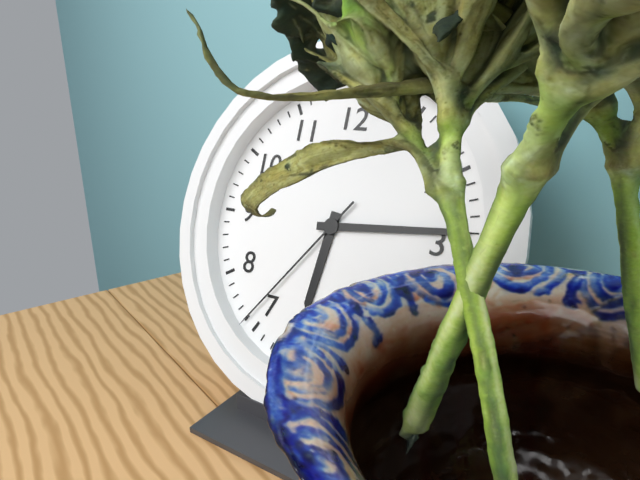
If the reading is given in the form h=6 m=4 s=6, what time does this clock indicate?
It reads h=6 m=14 s=36
